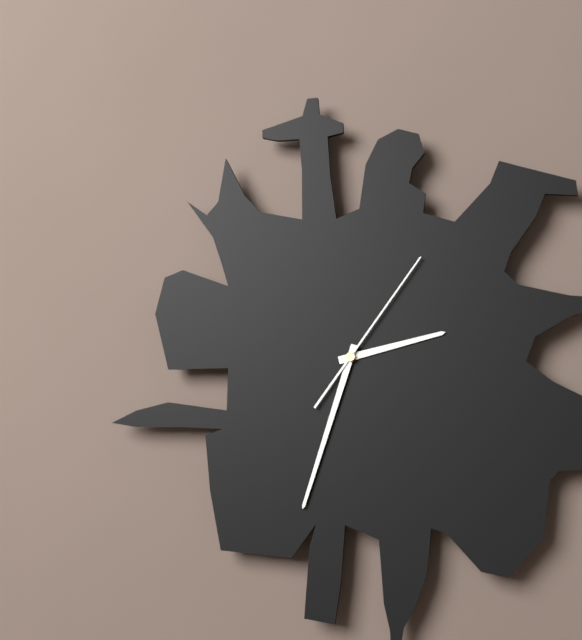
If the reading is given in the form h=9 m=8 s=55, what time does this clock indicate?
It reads h=2 m=33 s=6
